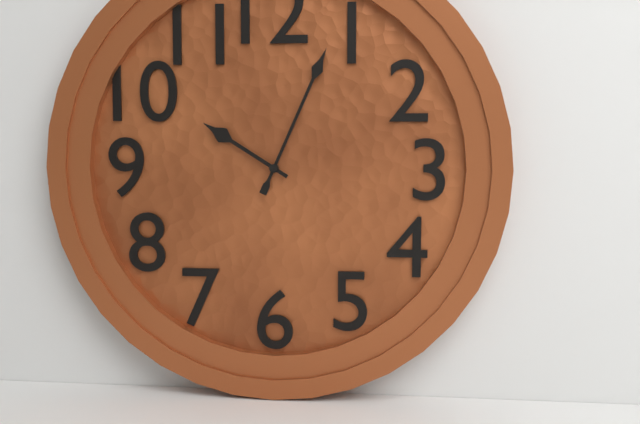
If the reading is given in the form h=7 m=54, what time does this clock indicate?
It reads h=10 m=4
